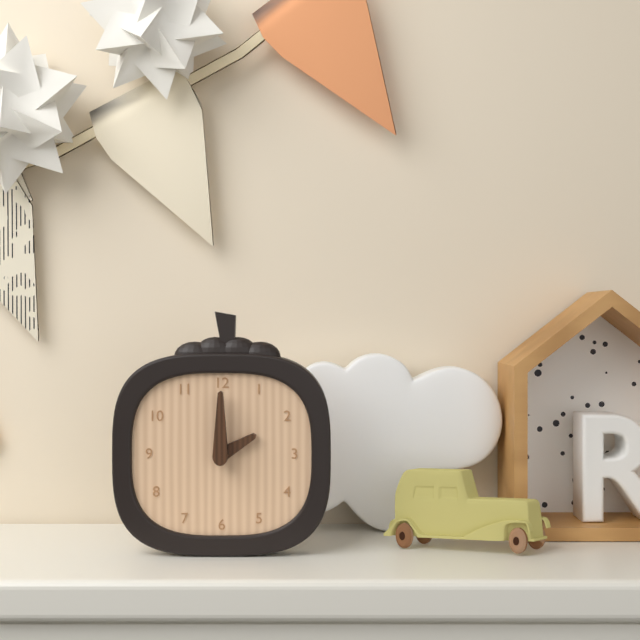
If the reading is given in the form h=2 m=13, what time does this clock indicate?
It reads h=2 m=0
